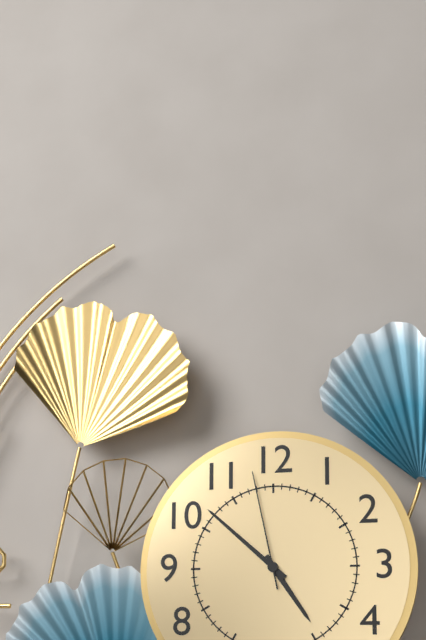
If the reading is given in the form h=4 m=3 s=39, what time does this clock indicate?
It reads h=4 m=52 s=58
